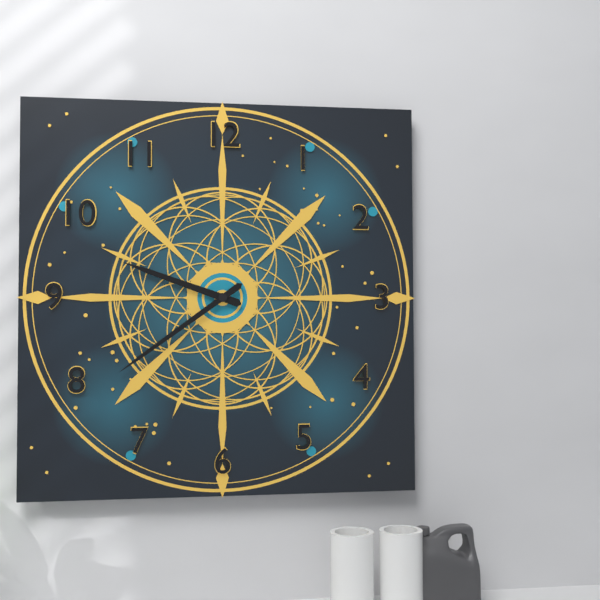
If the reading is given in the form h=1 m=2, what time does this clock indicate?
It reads h=9 m=39
